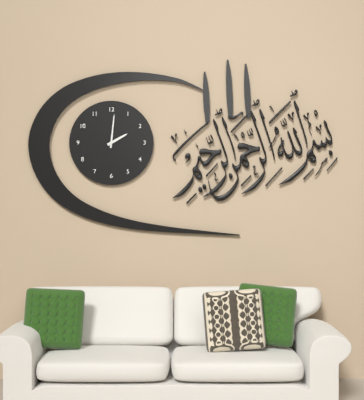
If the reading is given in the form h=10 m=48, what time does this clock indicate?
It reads h=2 m=1
